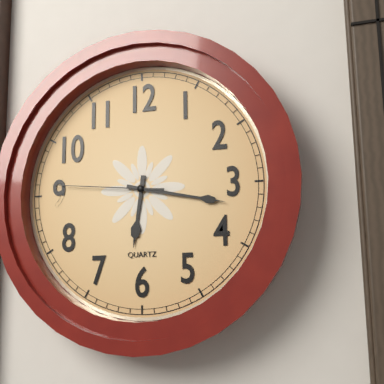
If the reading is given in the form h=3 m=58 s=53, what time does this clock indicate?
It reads h=6 m=17 s=46
